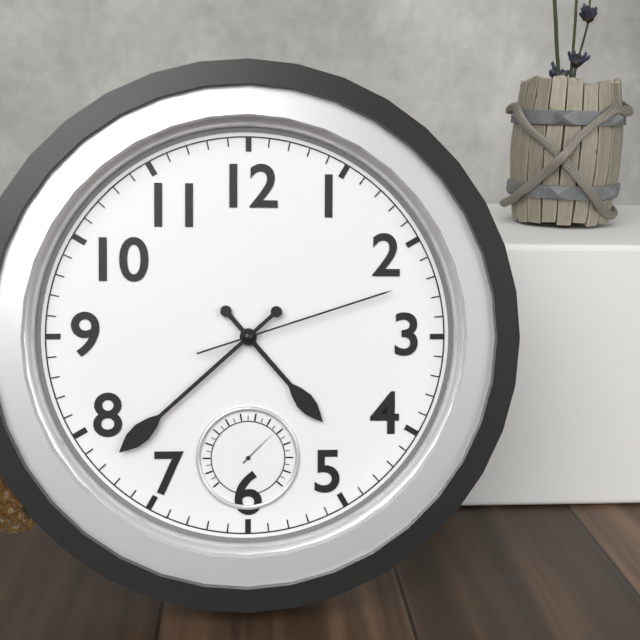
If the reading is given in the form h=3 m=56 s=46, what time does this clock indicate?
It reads h=4 m=38 s=12
